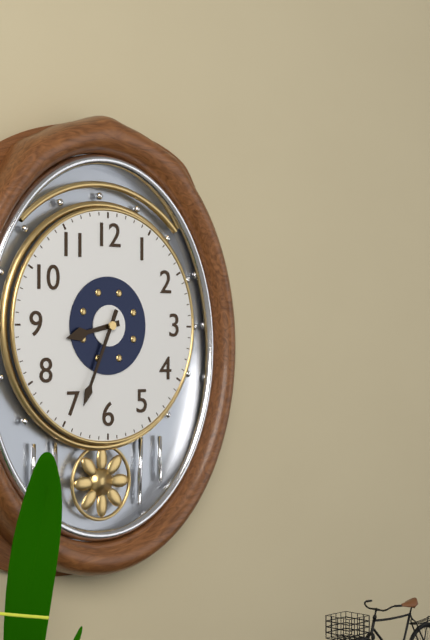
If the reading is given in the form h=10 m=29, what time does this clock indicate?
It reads h=8 m=34
